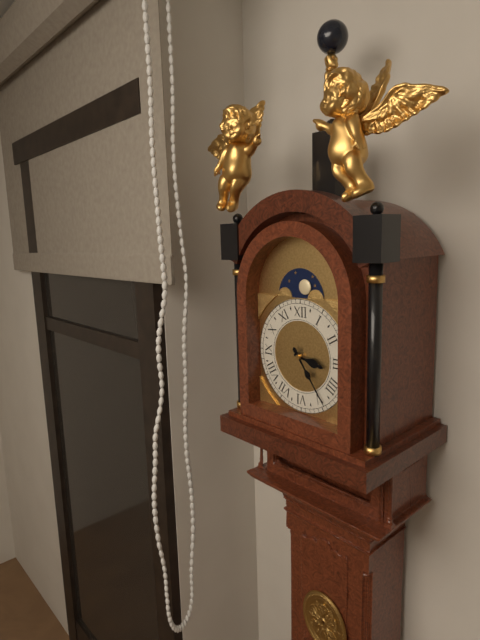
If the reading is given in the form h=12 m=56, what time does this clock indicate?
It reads h=3 m=24
